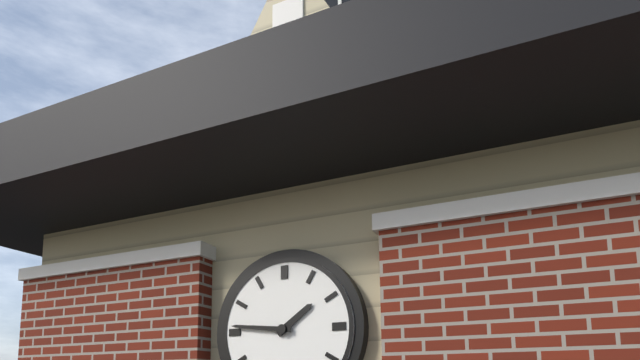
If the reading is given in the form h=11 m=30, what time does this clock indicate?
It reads h=1 m=46
